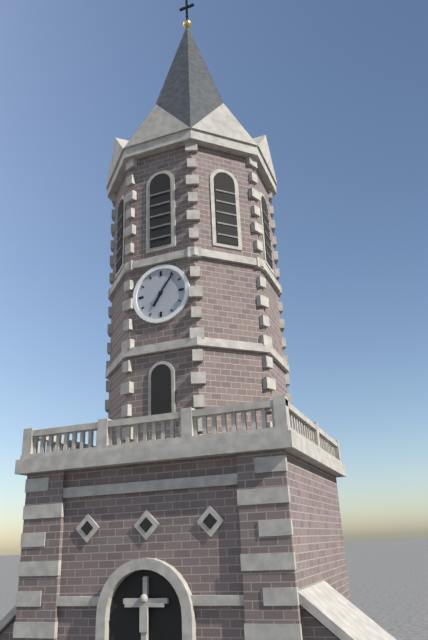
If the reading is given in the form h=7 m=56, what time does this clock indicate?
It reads h=7 m=6
